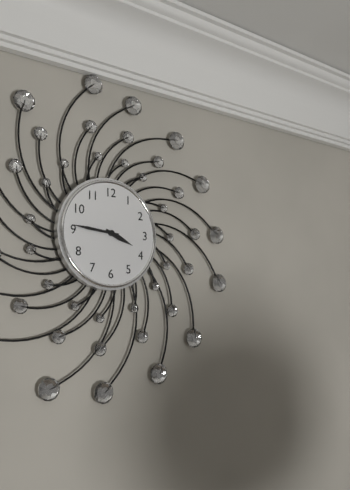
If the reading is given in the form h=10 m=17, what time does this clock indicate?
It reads h=3 m=46
